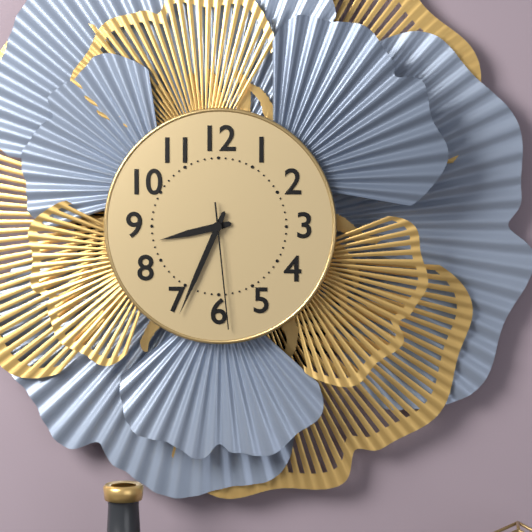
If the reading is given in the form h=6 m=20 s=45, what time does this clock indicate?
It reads h=8 m=34 s=29
